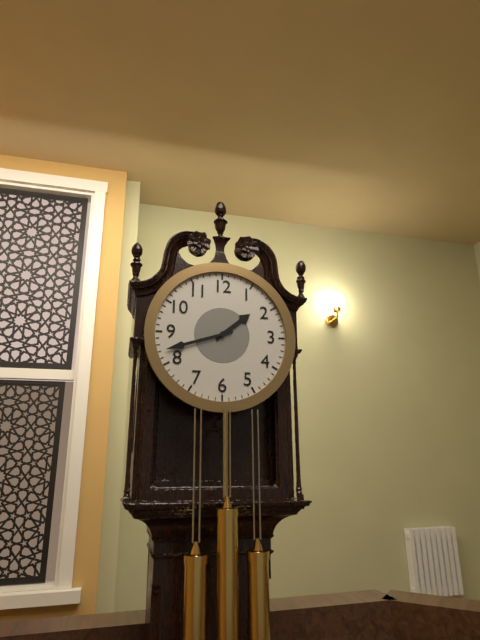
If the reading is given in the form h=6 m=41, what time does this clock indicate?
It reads h=1 m=42
